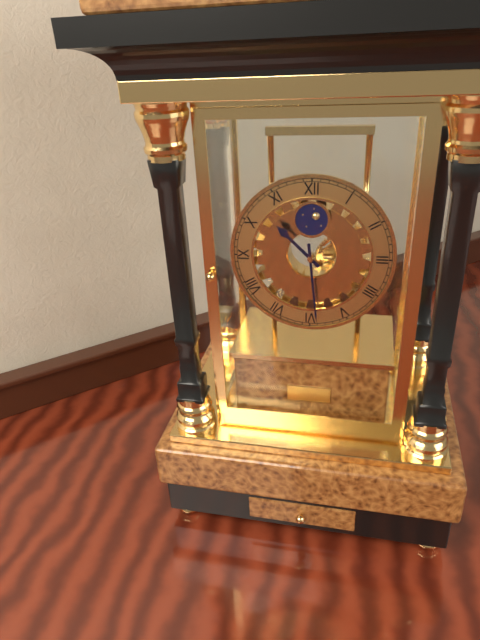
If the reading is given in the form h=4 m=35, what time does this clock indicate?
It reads h=10 m=29
